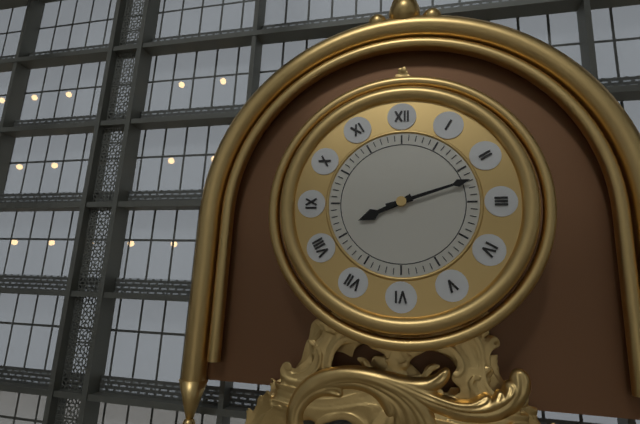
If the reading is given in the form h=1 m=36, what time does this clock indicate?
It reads h=8 m=12
